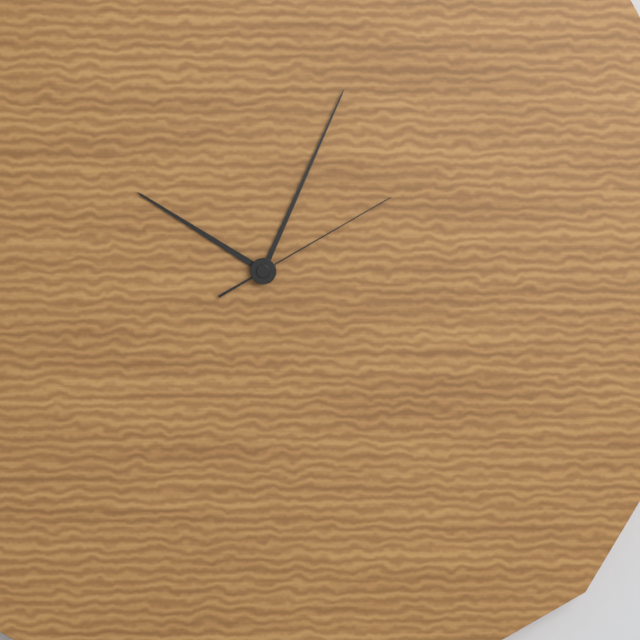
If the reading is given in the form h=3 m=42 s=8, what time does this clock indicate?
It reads h=10 m=4 s=10
